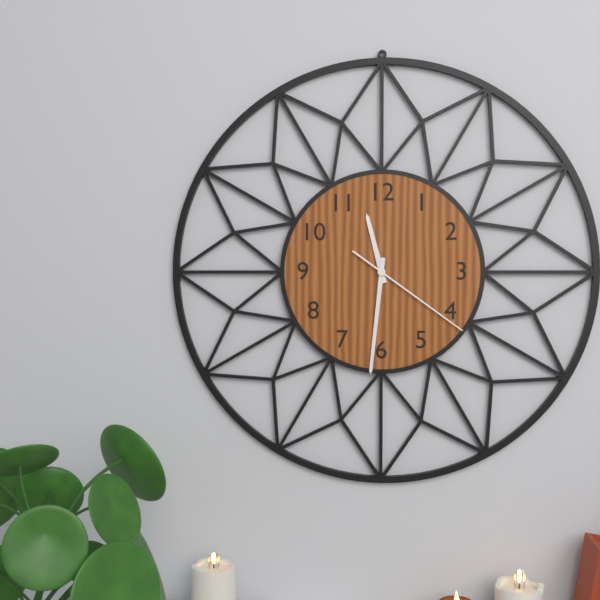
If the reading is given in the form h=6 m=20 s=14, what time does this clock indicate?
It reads h=11 m=31 s=21
